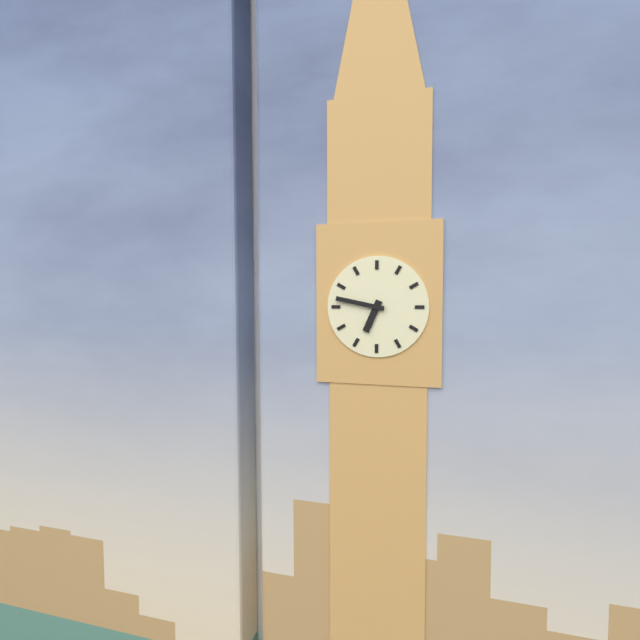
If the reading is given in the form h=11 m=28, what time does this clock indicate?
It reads h=6 m=47
